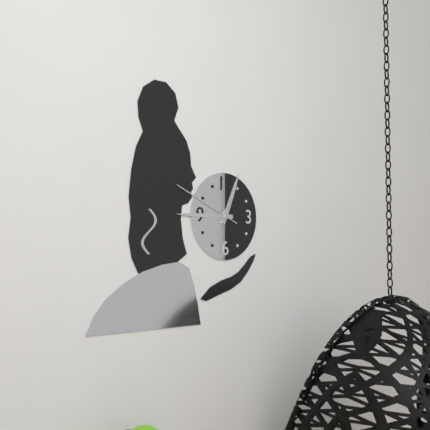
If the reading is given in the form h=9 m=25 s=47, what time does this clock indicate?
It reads h=12 m=45 s=49
